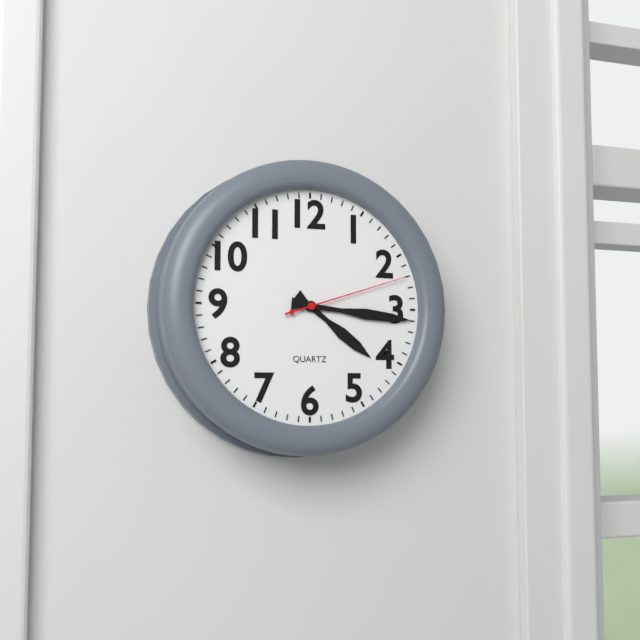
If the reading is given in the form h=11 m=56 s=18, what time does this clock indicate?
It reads h=4 m=16 s=12
